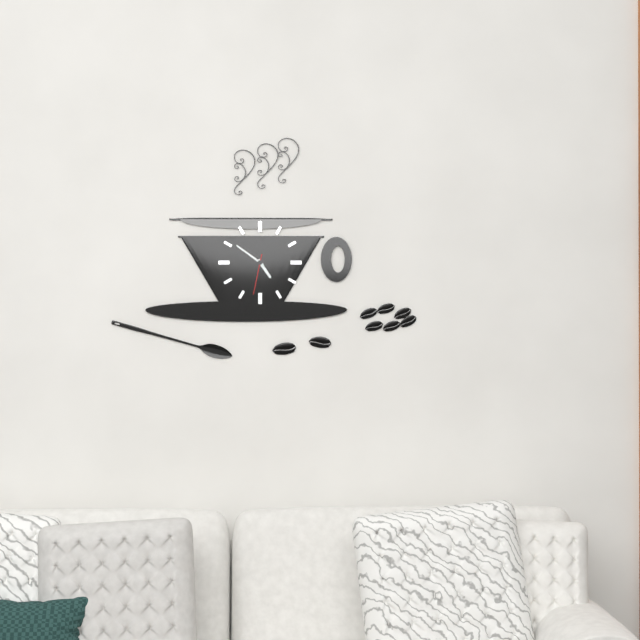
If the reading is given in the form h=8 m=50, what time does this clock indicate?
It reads h=4 m=51
